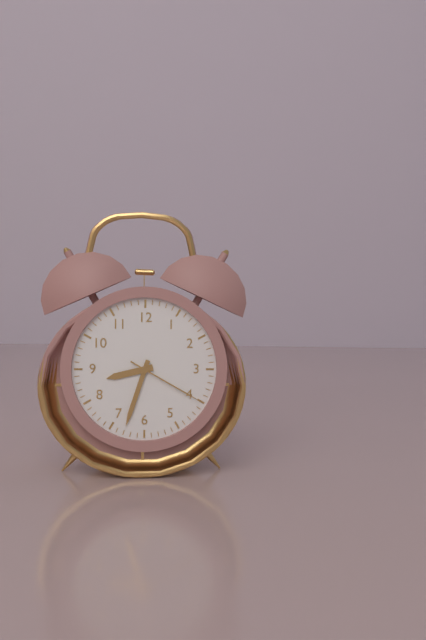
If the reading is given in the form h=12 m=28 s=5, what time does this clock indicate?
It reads h=8 m=33 s=20
